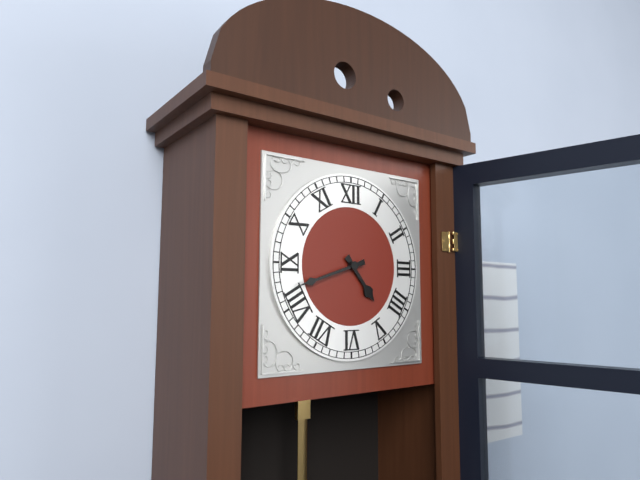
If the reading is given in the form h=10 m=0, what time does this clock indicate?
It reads h=4 m=42
